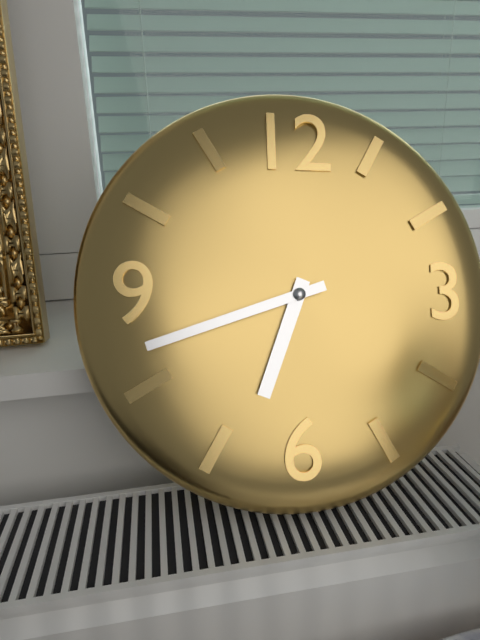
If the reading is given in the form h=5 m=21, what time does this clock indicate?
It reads h=6 m=42
